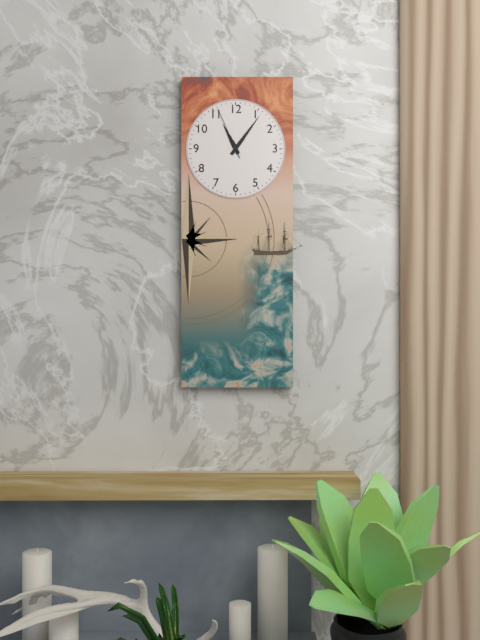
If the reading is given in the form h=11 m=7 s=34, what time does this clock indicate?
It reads h=11 m=6 s=56
